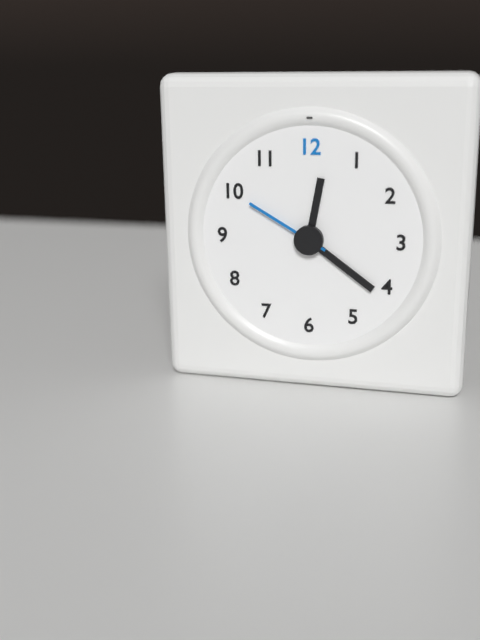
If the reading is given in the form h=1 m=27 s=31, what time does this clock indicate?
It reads h=12 m=21 s=50
